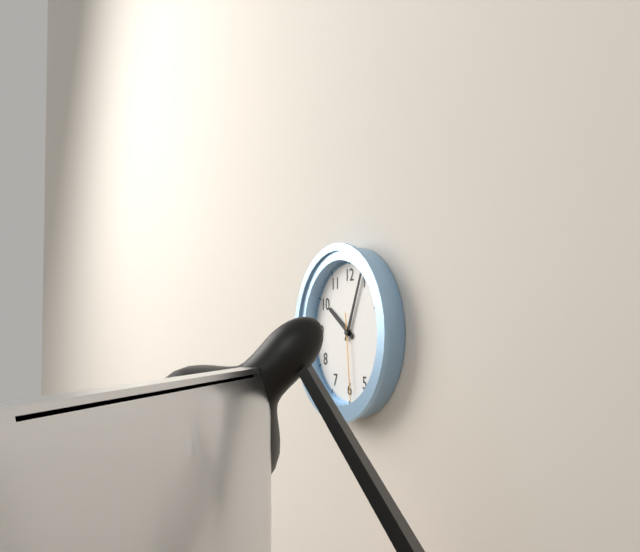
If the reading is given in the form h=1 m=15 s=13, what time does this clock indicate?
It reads h=10 m=4 s=29
